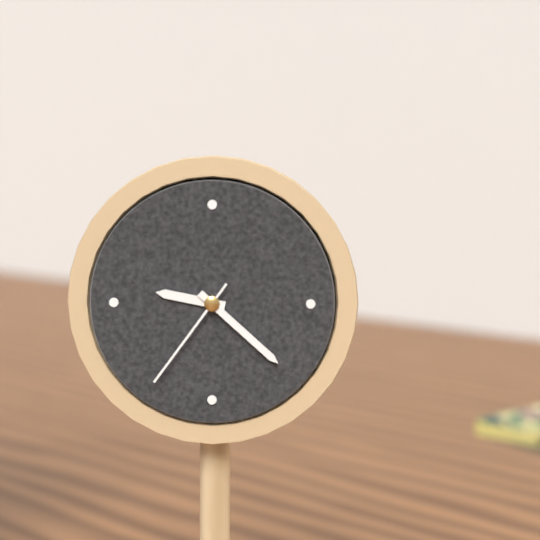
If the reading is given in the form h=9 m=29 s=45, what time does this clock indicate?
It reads h=9 m=22 s=36
